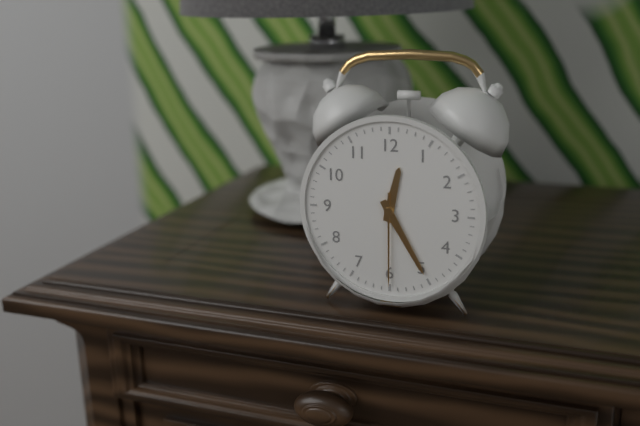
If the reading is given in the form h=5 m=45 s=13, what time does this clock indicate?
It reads h=12 m=25 s=30
